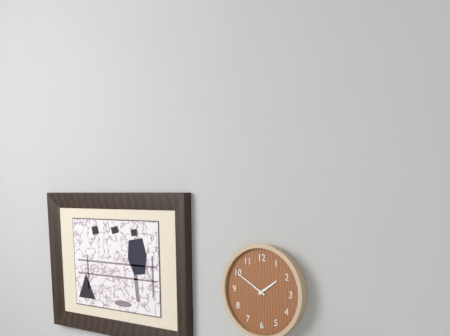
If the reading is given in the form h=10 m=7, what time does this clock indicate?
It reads h=1 m=50
